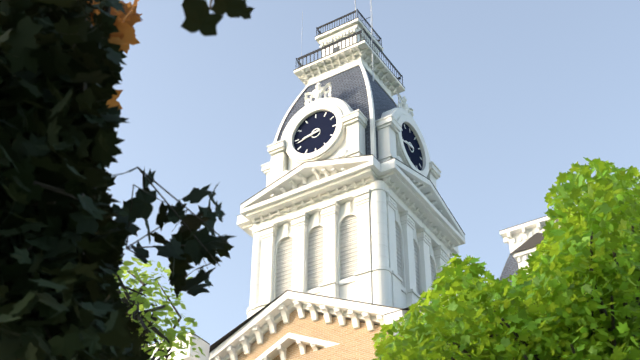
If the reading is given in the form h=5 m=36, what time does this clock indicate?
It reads h=8 m=43
